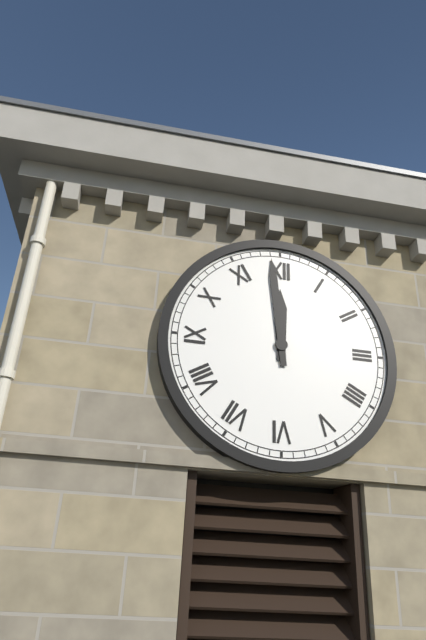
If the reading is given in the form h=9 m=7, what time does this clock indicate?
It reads h=11 m=59
